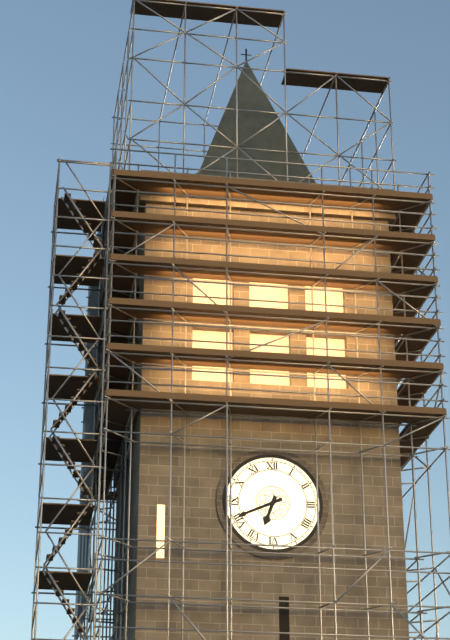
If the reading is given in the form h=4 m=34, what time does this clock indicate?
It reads h=6 m=41
